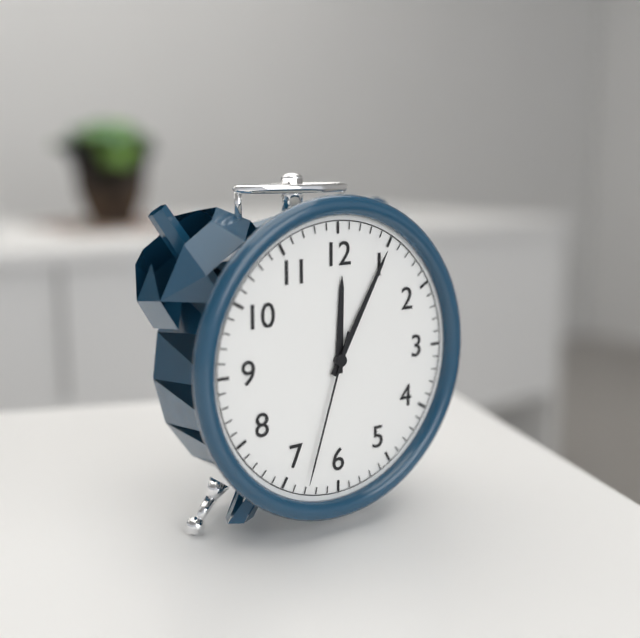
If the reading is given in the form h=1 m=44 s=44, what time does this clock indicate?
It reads h=12 m=5 s=33
